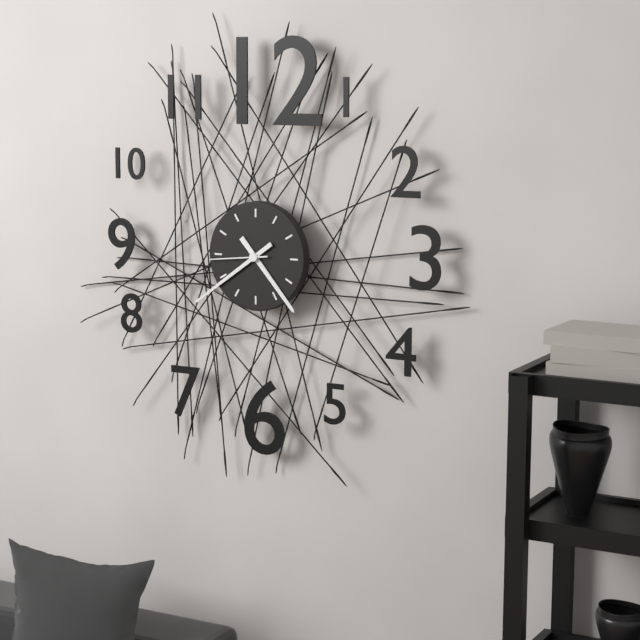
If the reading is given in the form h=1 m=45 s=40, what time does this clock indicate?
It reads h=4 m=39 s=44
